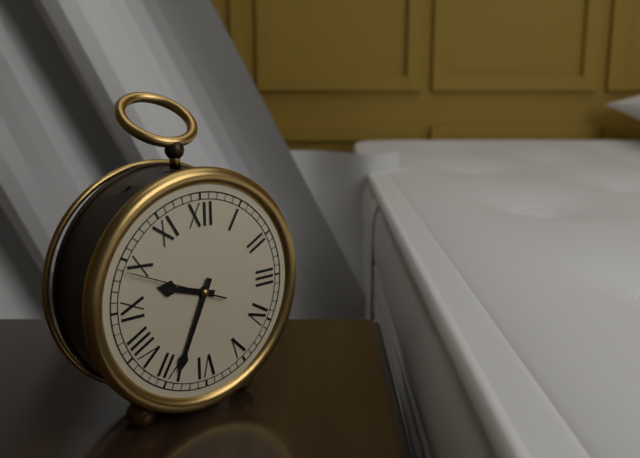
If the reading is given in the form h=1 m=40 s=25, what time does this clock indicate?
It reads h=9 m=34 s=49
